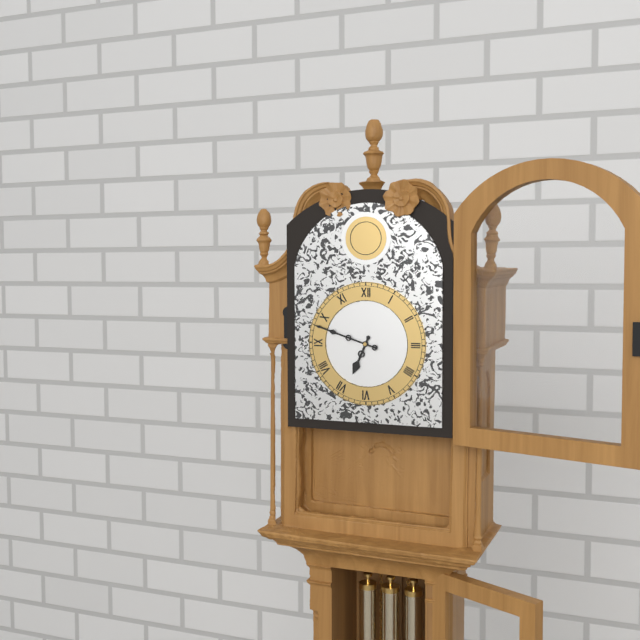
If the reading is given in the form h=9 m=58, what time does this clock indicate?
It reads h=6 m=48
